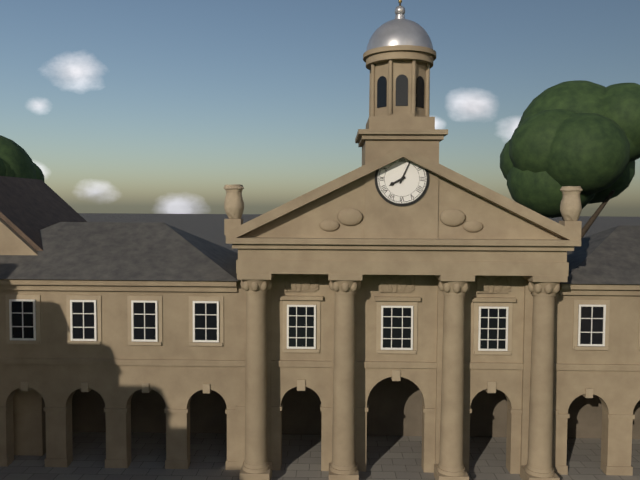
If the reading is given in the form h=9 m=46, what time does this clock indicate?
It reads h=8 m=4
